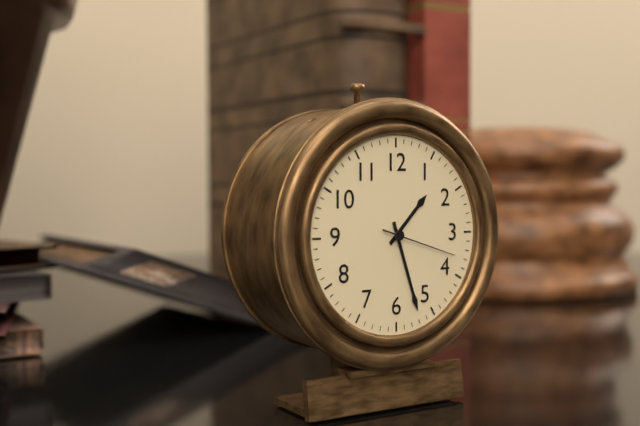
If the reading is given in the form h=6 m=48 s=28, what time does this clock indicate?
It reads h=1 m=27 s=18
